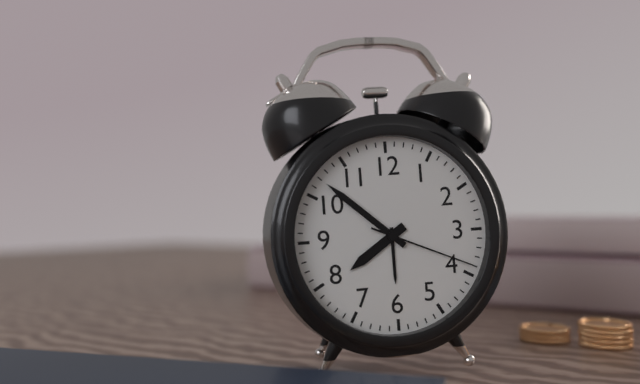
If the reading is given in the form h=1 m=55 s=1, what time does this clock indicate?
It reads h=7 m=52 s=19
